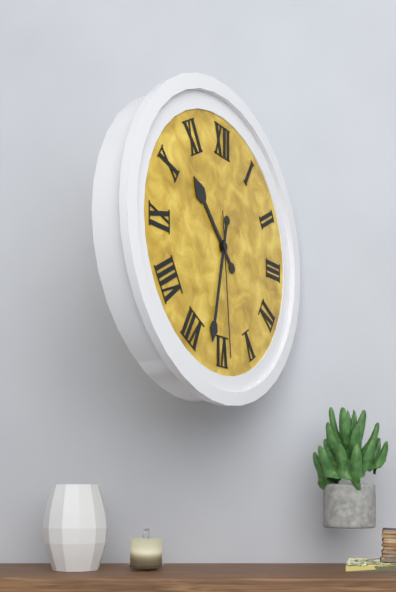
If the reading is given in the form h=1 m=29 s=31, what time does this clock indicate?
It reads h=10 m=32 s=29
